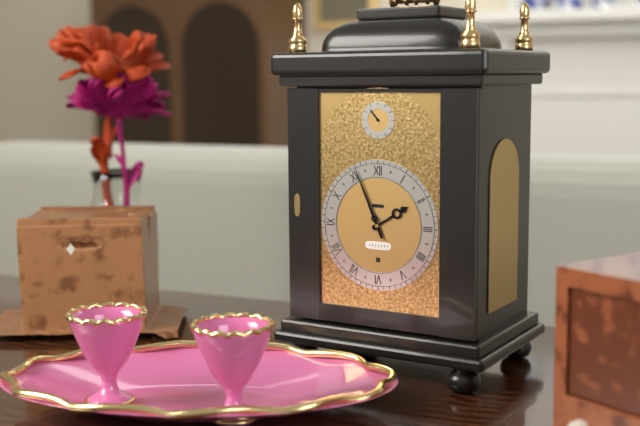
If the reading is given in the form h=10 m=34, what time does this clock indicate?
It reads h=1 m=56
